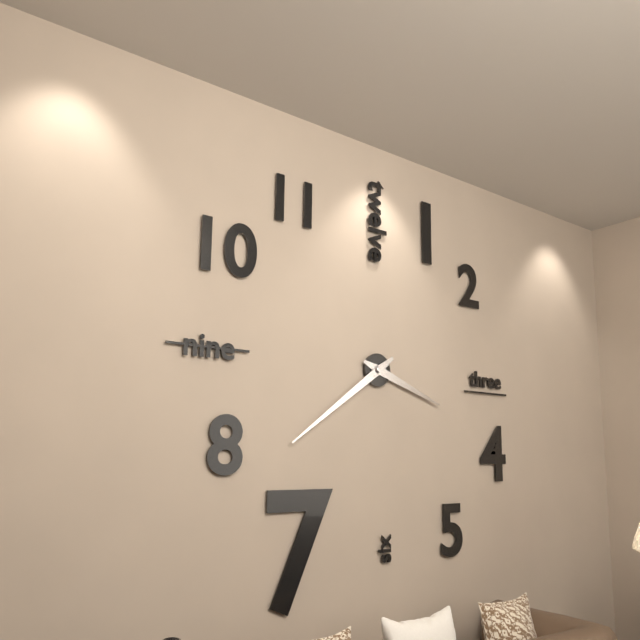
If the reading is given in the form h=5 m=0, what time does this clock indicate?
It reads h=3 m=39
